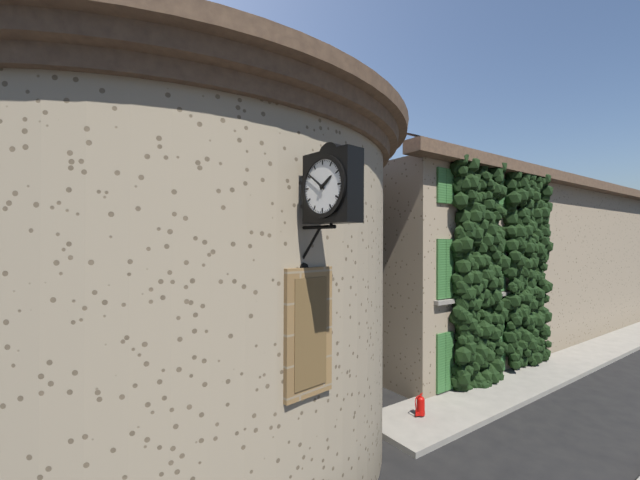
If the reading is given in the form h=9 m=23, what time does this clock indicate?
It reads h=1 m=51
